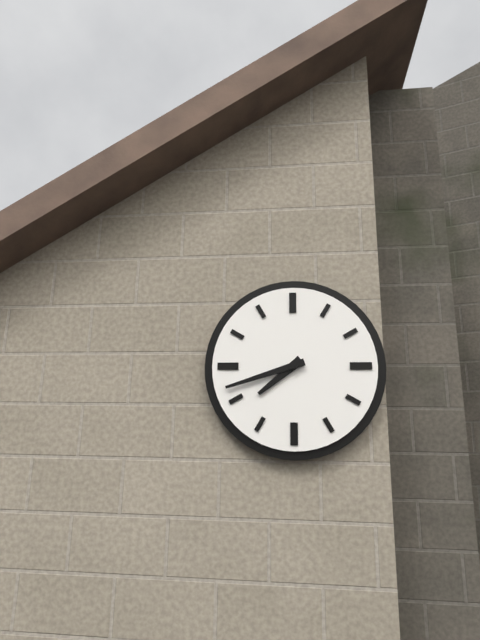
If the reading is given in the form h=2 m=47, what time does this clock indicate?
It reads h=7 m=42
